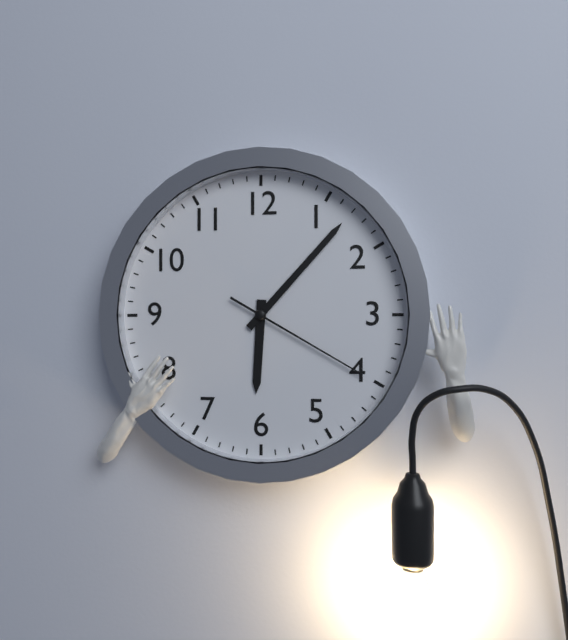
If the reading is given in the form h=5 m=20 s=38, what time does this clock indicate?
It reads h=6 m=7 s=20
